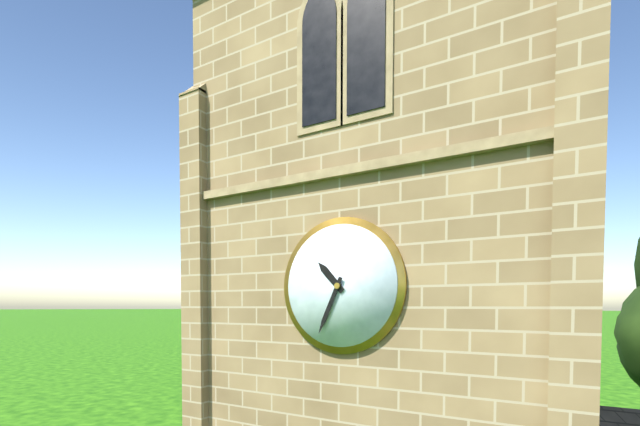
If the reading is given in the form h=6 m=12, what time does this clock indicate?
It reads h=10 m=34
